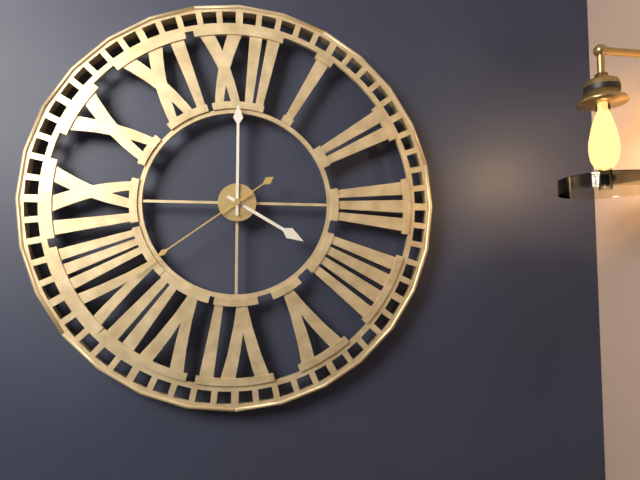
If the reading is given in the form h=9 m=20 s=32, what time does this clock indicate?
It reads h=4 m=0 s=39
